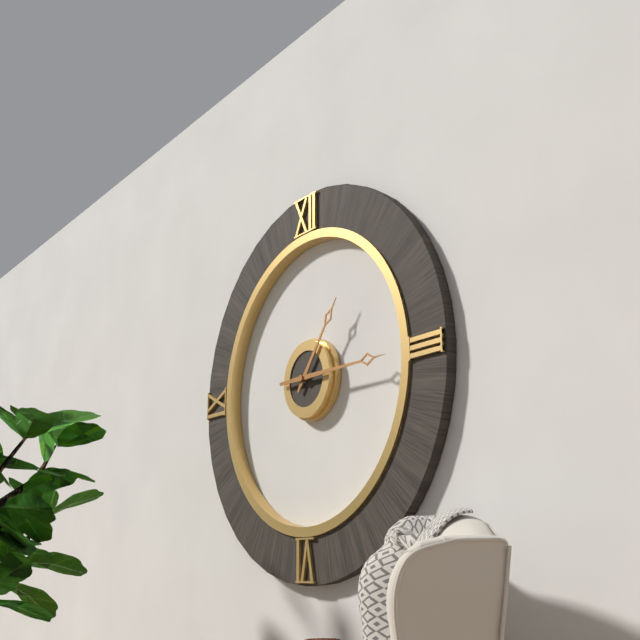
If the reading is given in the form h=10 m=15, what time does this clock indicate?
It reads h=1 m=15
